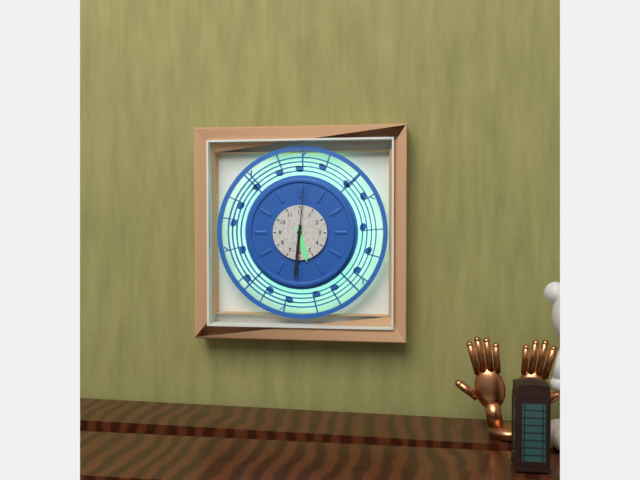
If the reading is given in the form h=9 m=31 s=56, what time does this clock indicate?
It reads h=5 m=31 s=1
